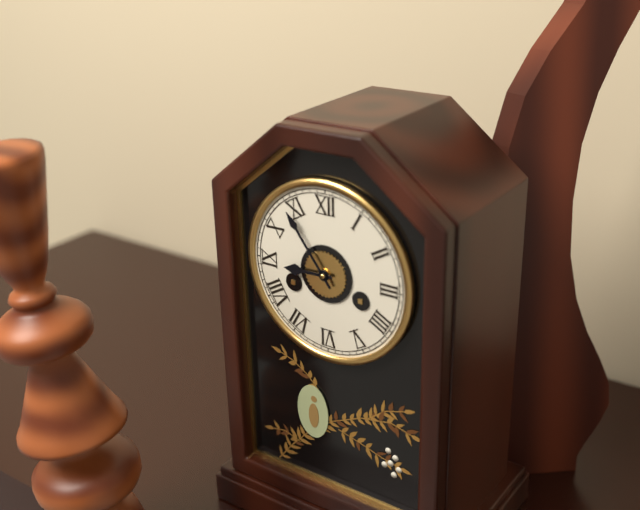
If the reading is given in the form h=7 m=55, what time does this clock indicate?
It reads h=8 m=54
